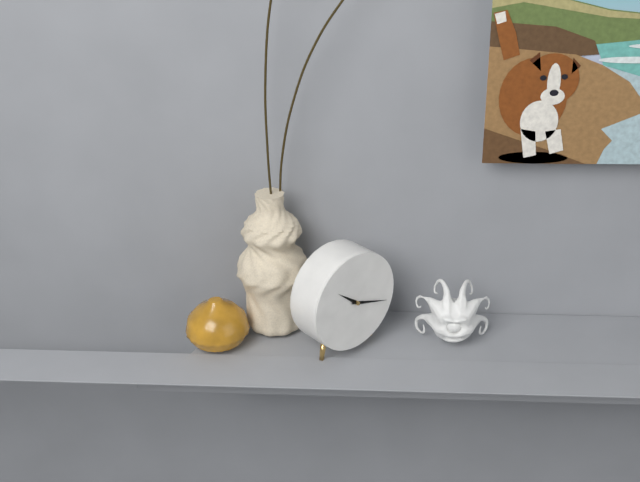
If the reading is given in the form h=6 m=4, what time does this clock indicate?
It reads h=10 m=18
